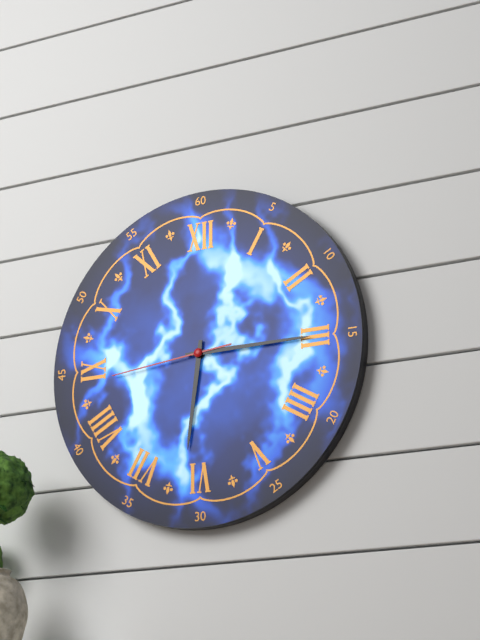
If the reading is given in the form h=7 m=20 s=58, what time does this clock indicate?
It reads h=6 m=15 s=44
